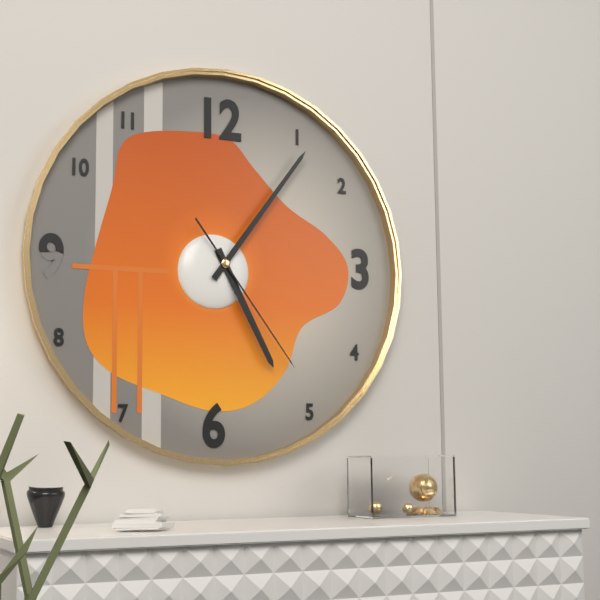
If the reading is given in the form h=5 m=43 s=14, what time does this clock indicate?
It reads h=5 m=6 s=24
